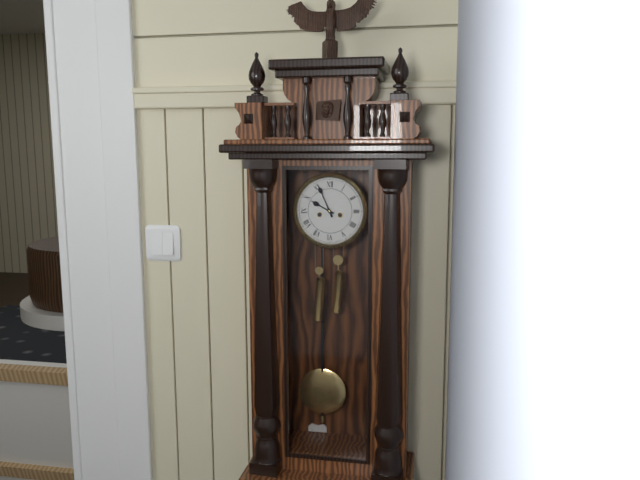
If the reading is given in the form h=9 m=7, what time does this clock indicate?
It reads h=9 m=56
